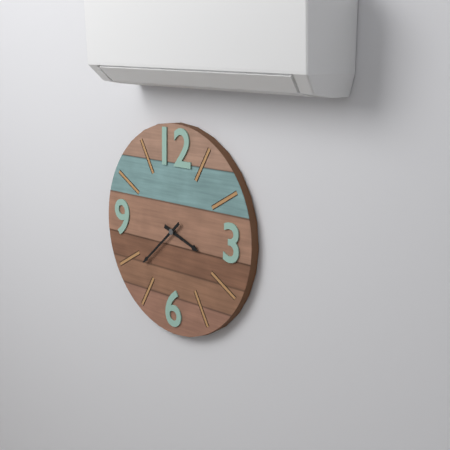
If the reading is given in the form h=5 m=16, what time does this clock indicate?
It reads h=3 m=38
